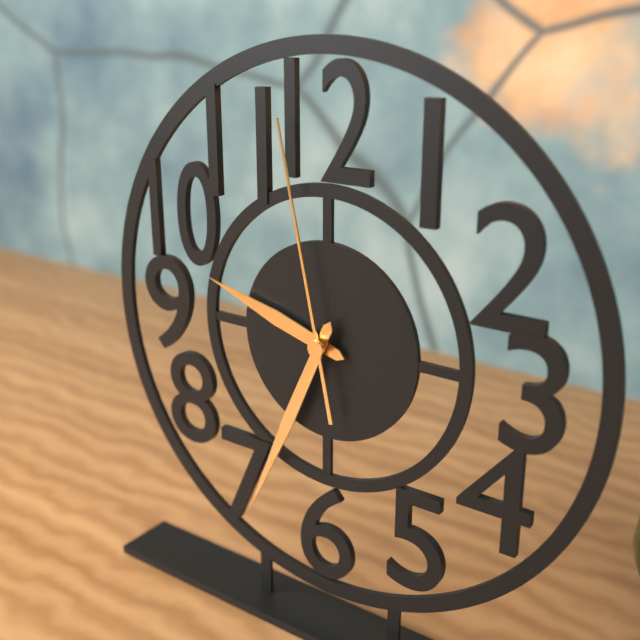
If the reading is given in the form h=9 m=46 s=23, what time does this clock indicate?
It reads h=9 m=34 s=58
